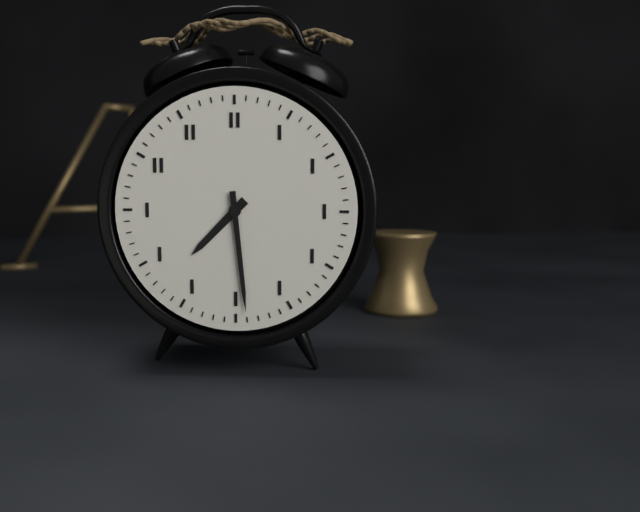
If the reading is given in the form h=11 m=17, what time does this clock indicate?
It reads h=7 m=29
